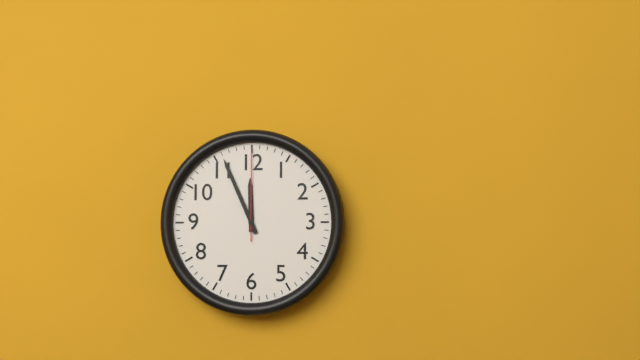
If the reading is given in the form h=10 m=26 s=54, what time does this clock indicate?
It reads h=11 m=56 s=0
